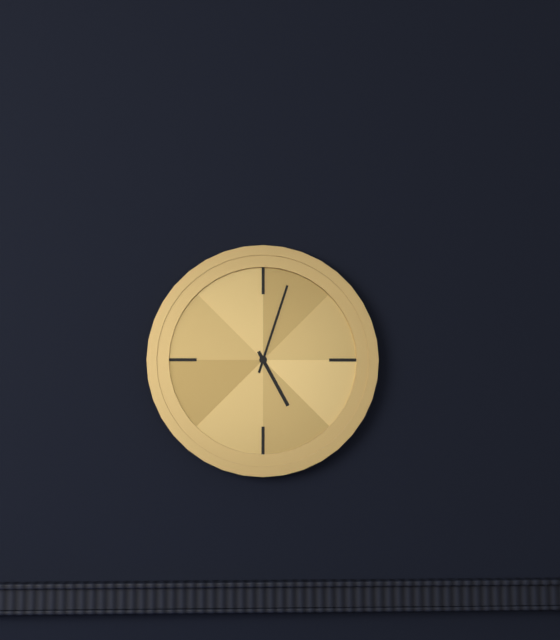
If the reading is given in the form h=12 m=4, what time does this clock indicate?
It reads h=5 m=3
